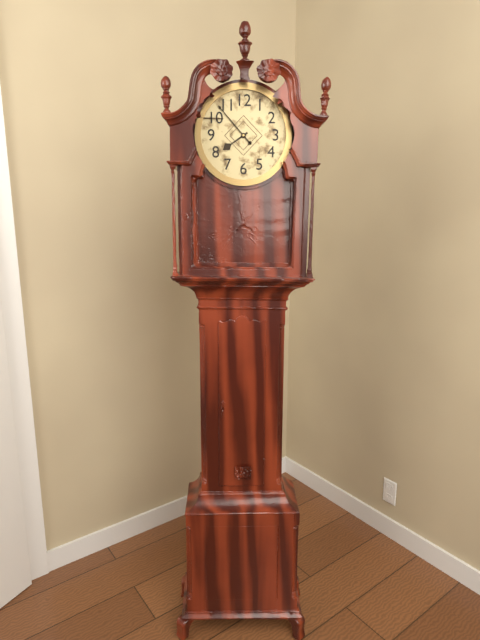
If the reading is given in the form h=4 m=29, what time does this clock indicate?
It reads h=7 m=53
